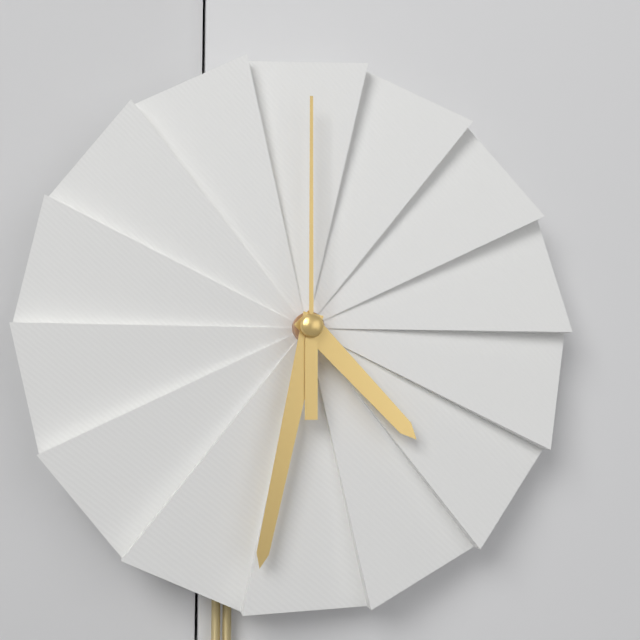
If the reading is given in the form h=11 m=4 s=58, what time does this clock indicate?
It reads h=4 m=32 s=0
